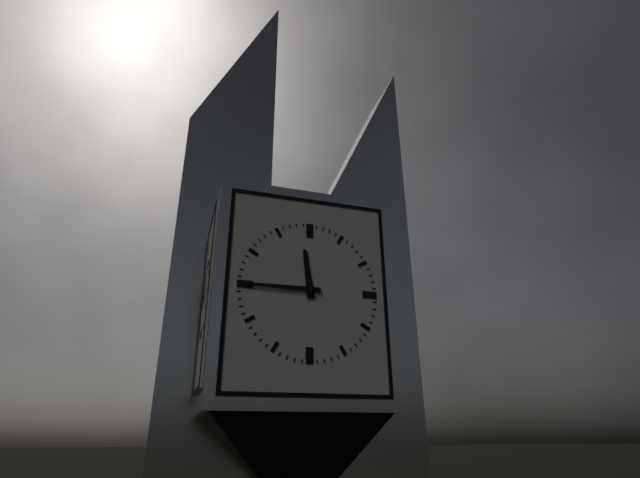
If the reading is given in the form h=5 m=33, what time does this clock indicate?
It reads h=11 m=45
